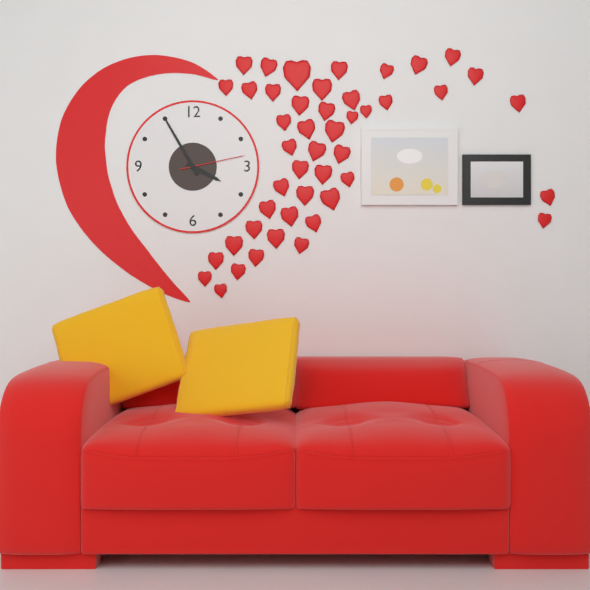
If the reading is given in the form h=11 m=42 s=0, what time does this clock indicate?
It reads h=3 m=55 s=13
